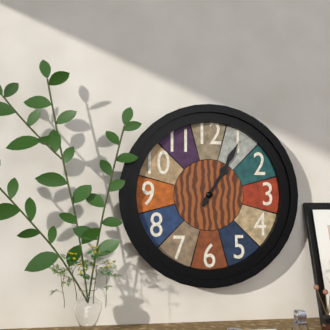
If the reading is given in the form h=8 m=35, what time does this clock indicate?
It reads h=1 m=5
